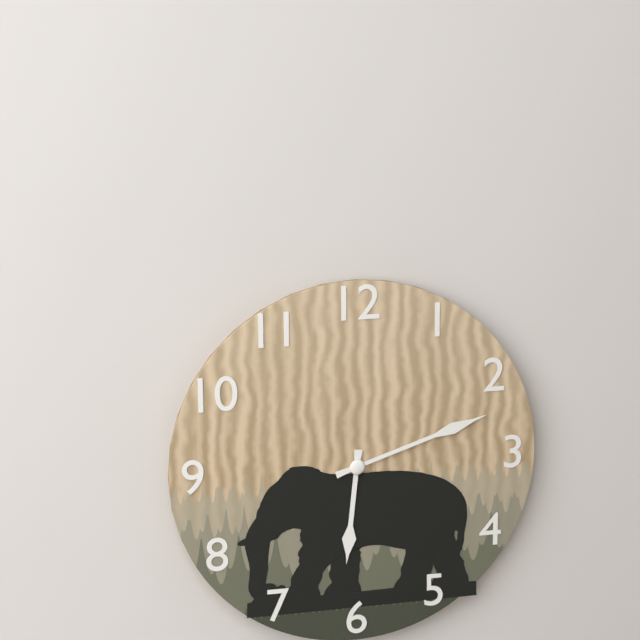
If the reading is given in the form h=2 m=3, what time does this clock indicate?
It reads h=6 m=12
